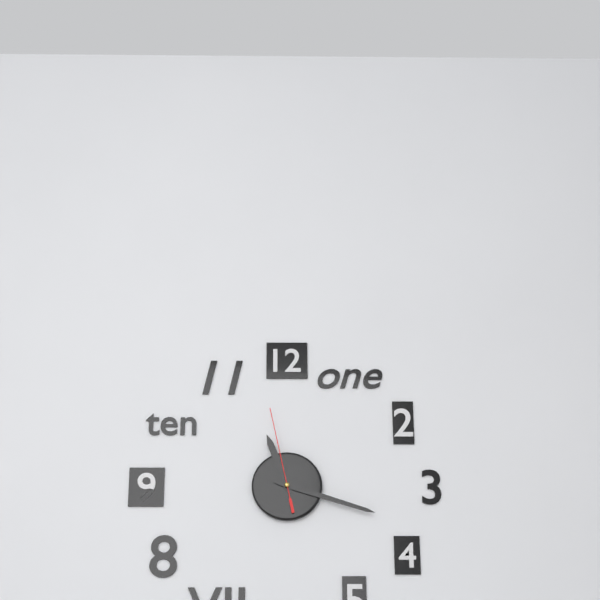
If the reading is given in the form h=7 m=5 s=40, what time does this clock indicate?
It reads h=11 m=18 s=58
